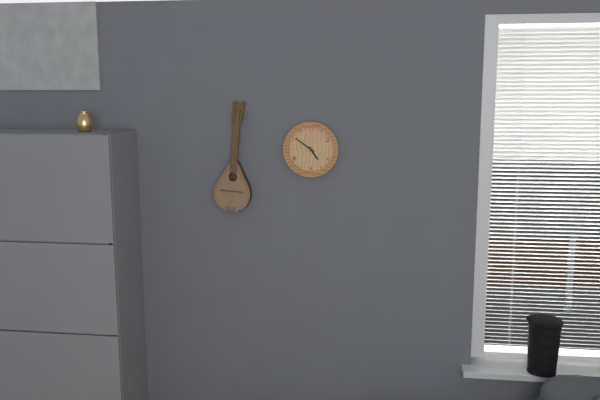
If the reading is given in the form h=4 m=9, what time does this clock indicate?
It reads h=4 m=51
